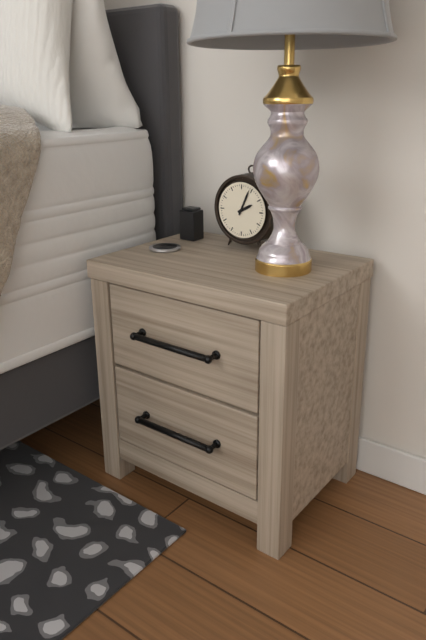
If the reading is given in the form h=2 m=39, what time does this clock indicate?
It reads h=2 m=4
